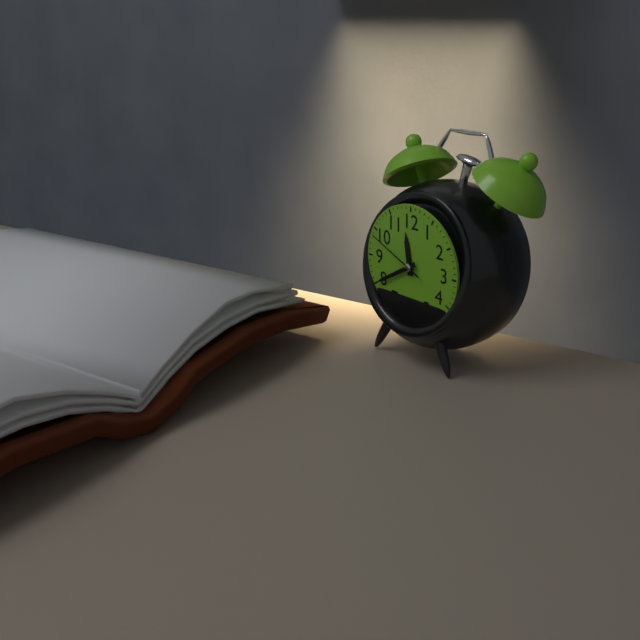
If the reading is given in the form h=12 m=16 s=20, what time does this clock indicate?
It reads h=11 m=40 s=49
